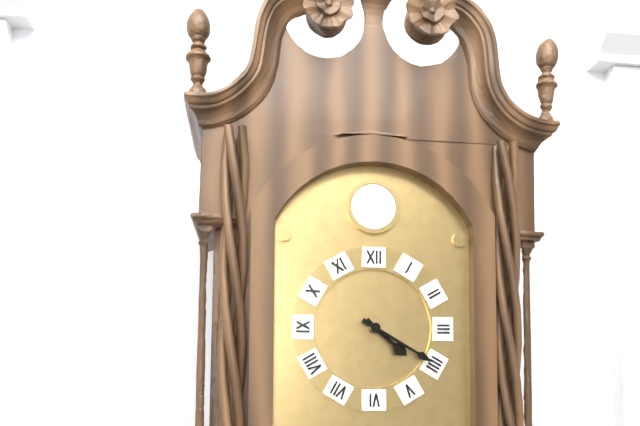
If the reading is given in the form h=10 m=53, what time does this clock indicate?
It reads h=4 m=20
